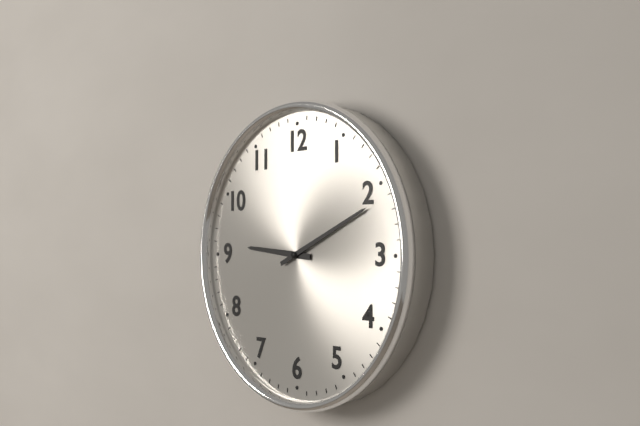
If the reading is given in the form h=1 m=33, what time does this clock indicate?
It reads h=9 m=11
